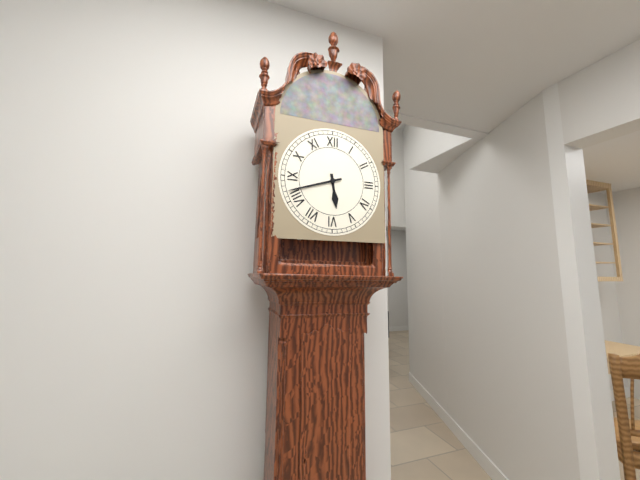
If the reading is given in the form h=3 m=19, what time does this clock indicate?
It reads h=5 m=42
